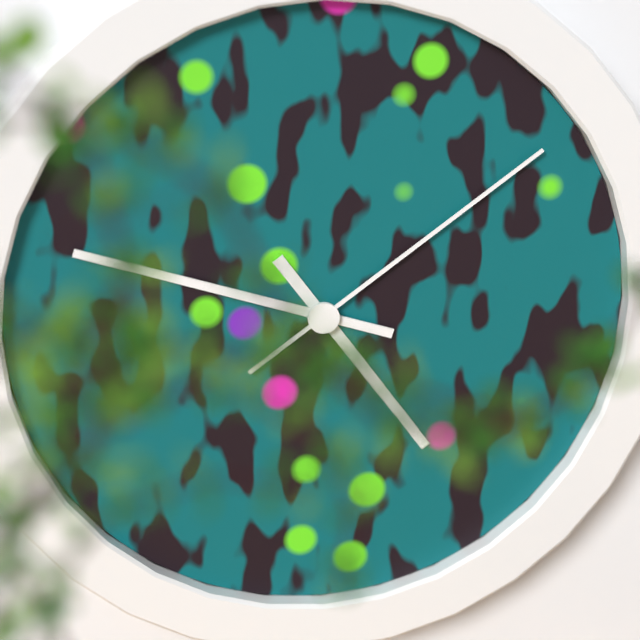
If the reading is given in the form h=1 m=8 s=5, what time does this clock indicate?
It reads h=4 m=48 s=9
